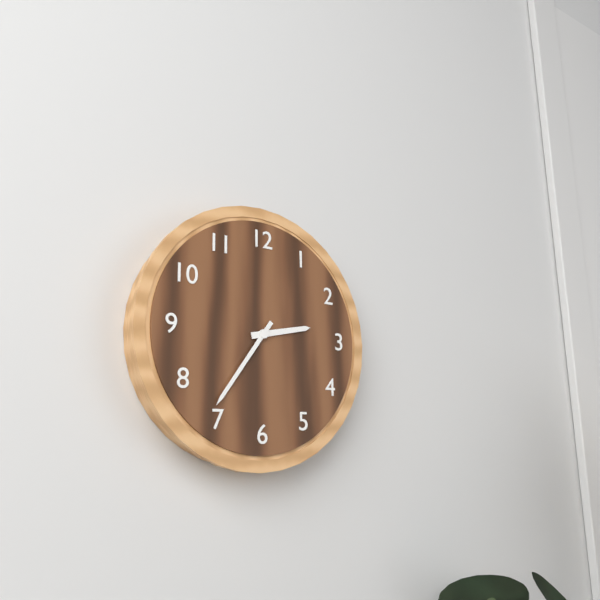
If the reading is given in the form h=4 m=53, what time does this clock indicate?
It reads h=2 m=36
